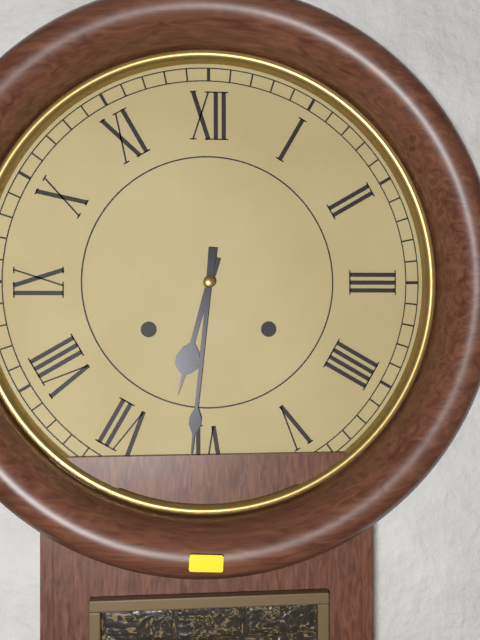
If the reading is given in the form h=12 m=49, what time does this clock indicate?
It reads h=6 m=31
